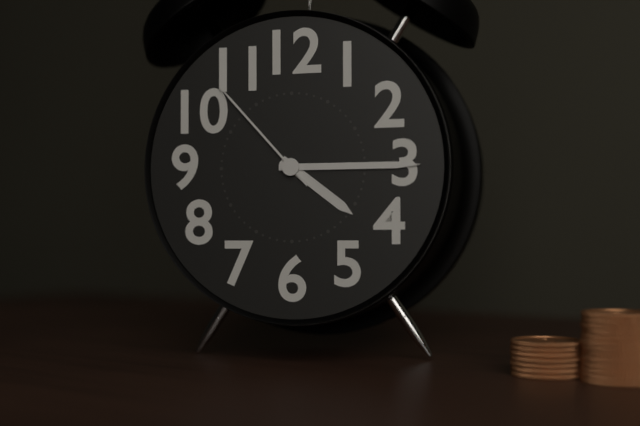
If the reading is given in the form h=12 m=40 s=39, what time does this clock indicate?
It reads h=4 m=15 s=53
